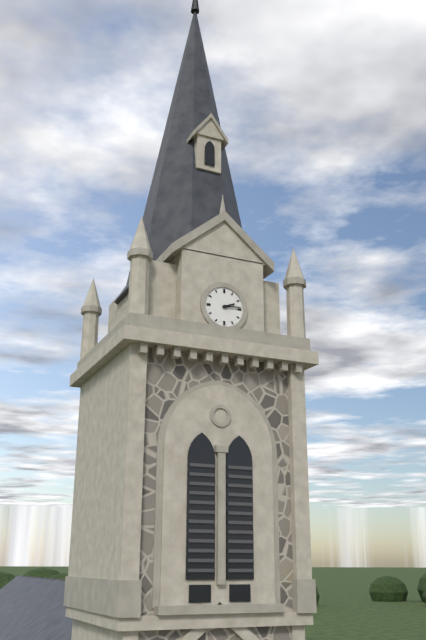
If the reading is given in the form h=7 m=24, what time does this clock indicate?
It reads h=2 m=14
